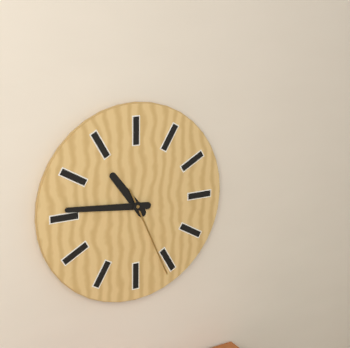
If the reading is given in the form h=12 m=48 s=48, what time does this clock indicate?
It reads h=10 m=46 s=26
